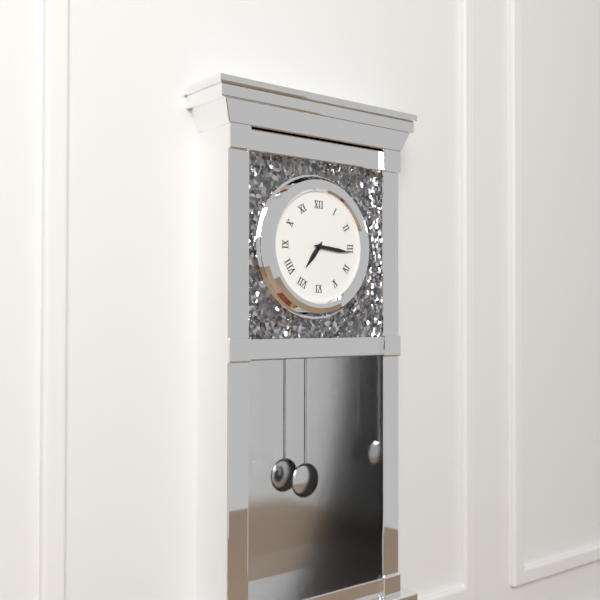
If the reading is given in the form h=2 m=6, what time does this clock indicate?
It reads h=7 m=16
